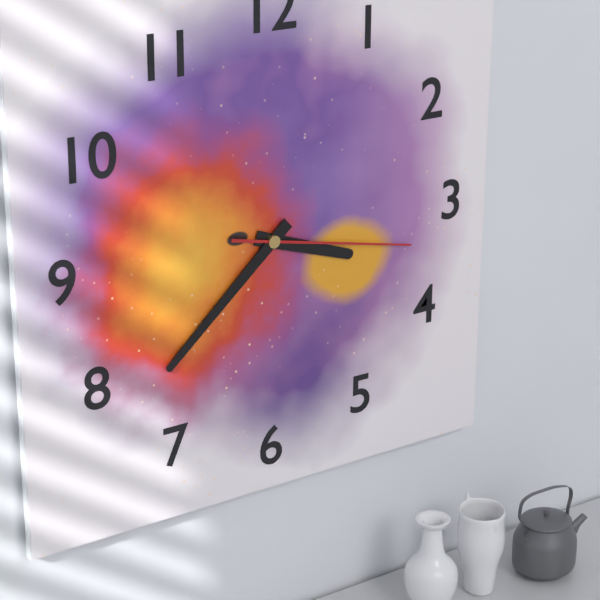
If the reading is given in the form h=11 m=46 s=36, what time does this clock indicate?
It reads h=3 m=38 s=17
